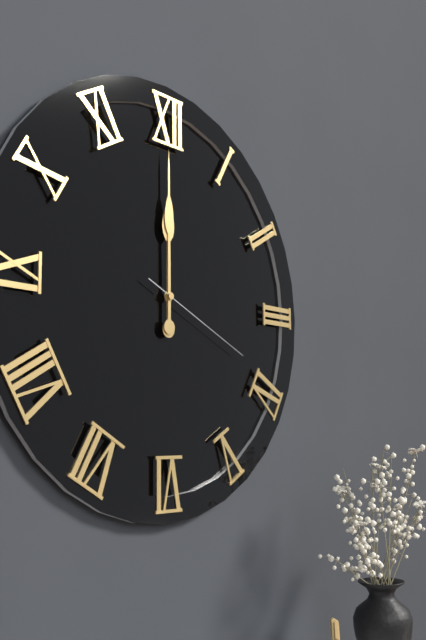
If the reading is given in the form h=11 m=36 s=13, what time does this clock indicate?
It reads h=12 m=0 s=19
